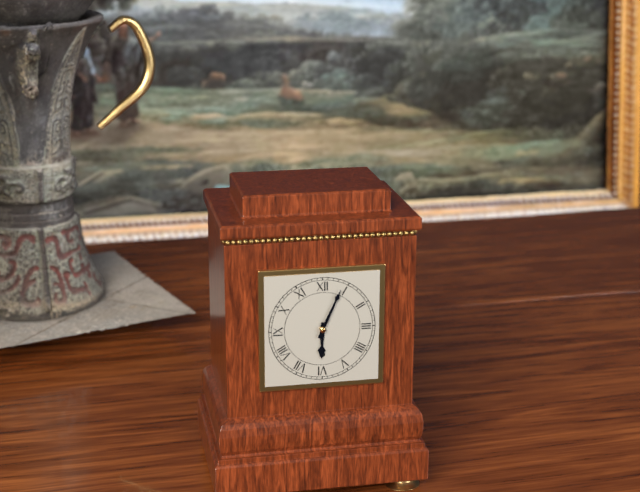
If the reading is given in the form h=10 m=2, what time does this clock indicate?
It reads h=6 m=4
